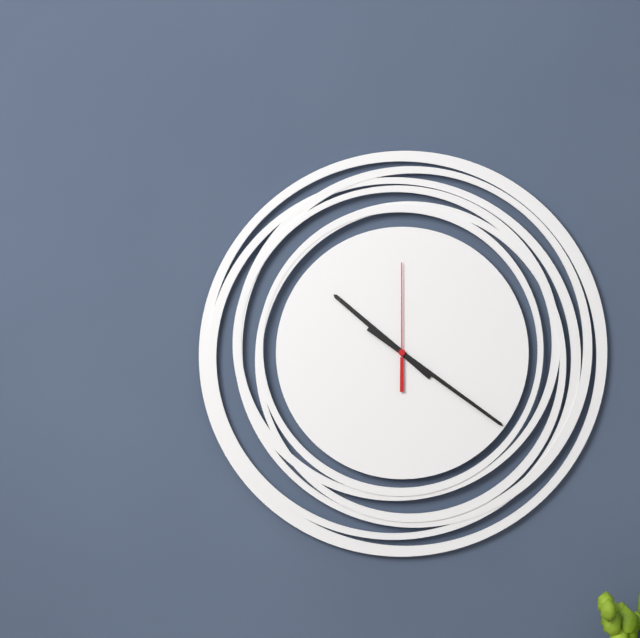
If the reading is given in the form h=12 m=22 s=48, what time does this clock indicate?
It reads h=10 m=21 s=0
